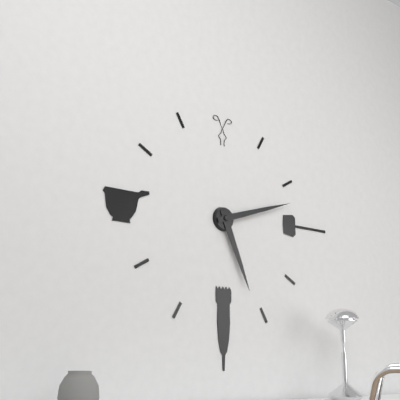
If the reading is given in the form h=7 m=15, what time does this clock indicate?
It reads h=5 m=12
